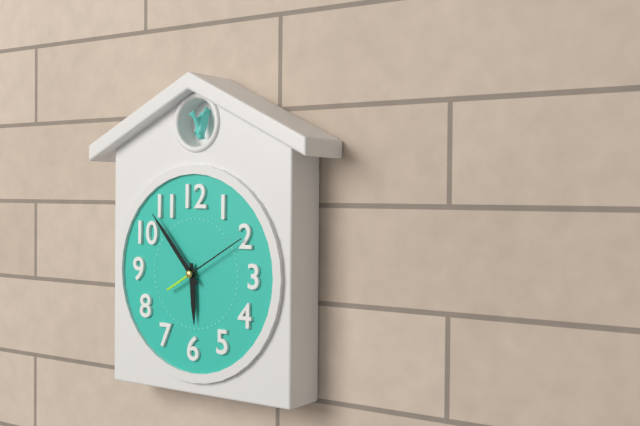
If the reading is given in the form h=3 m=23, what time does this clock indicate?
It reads h=5 m=53
